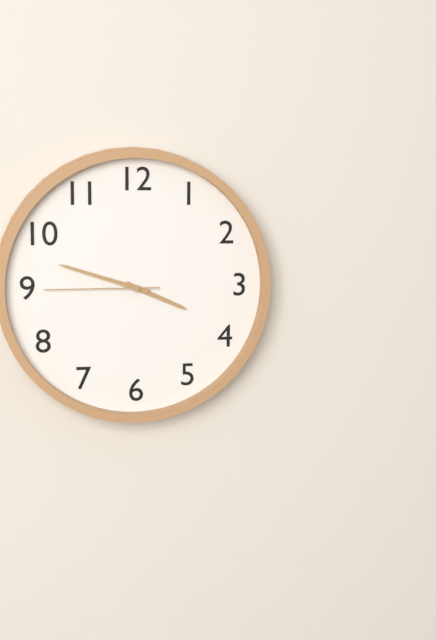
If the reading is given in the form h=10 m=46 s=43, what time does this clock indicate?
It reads h=3 m=48 s=45
